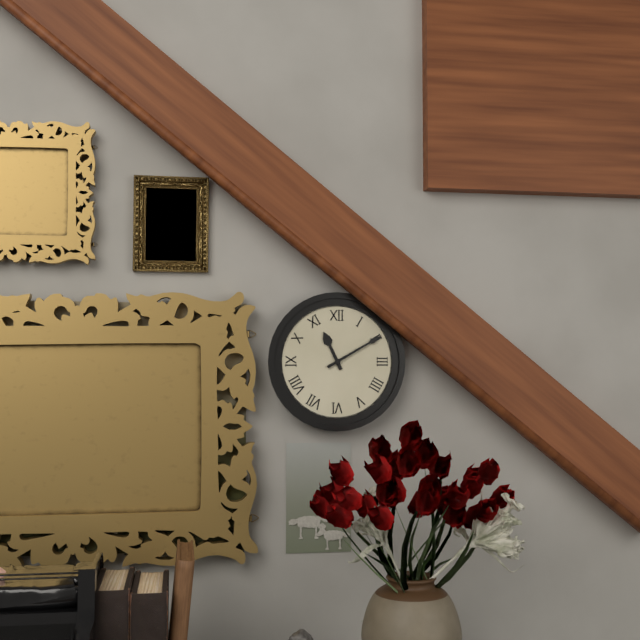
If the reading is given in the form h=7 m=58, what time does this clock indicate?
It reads h=11 m=10
